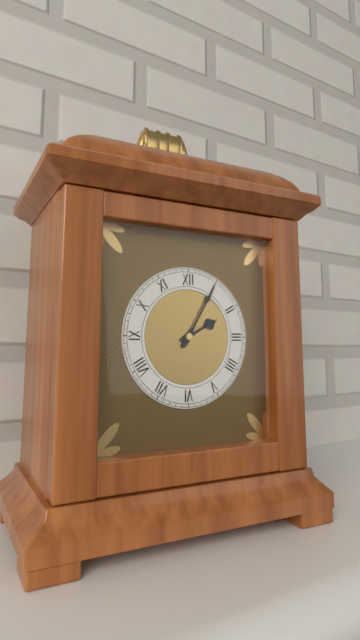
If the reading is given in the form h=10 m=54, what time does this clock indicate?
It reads h=2 m=5
